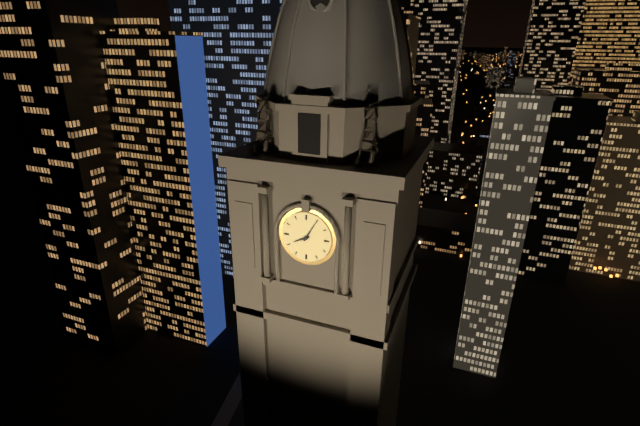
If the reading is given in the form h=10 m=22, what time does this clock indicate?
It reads h=8 m=5
